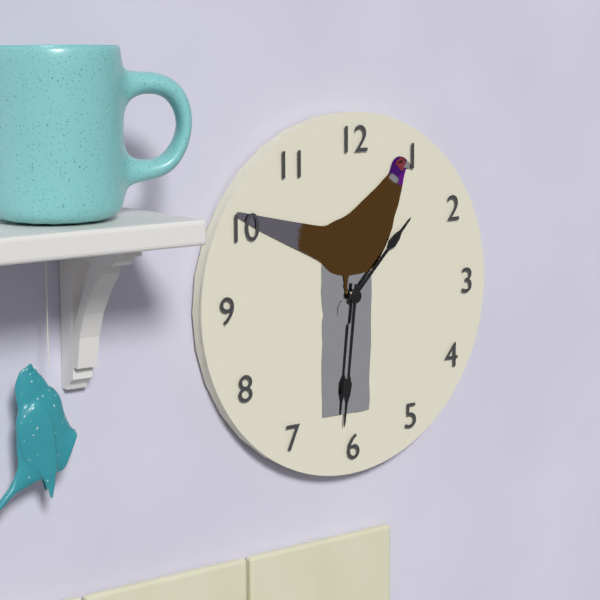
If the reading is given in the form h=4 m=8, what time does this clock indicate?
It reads h=1 m=31
